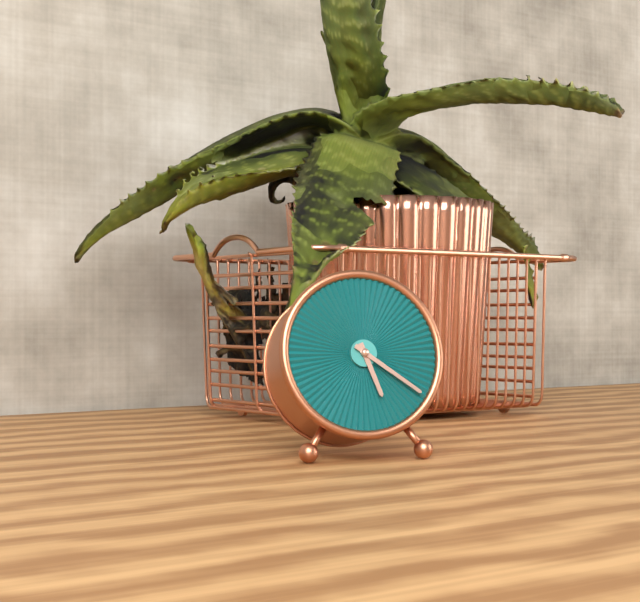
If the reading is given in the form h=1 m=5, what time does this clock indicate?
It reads h=5 m=21
